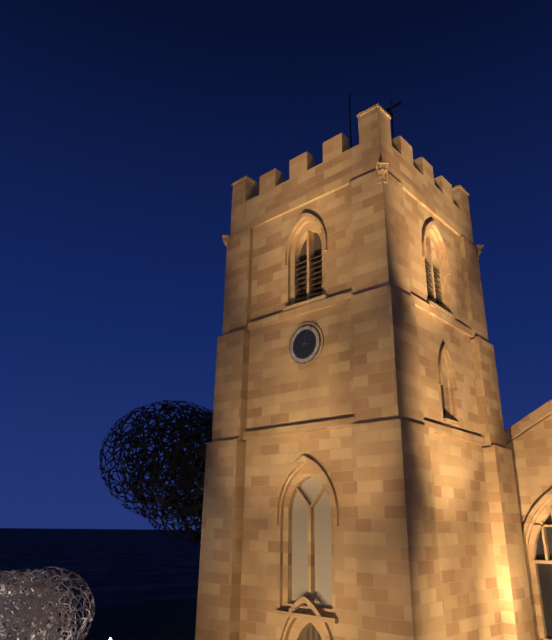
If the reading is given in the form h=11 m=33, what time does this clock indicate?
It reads h=3 m=3
